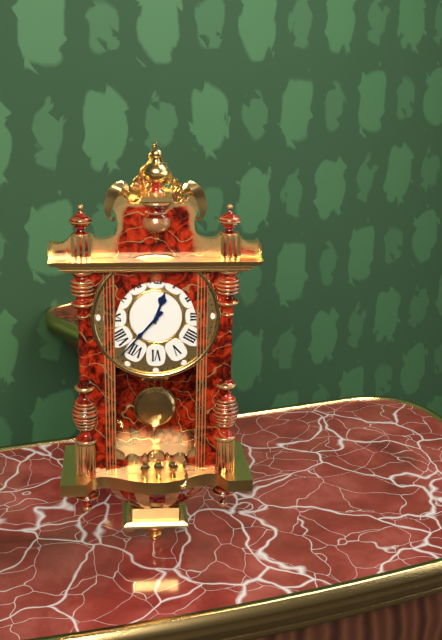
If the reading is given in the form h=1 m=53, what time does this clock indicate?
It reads h=12 m=37
